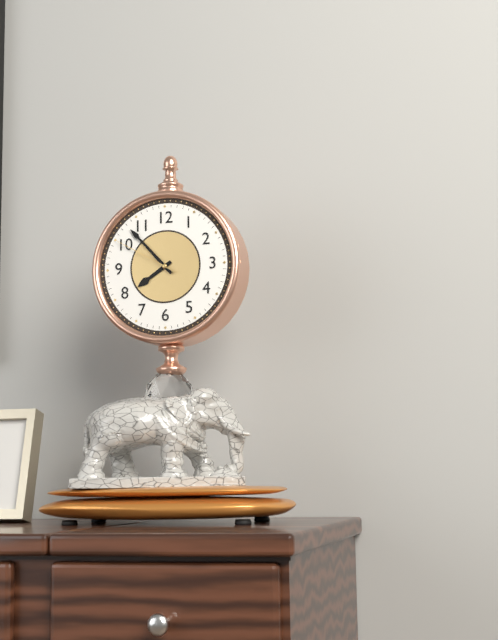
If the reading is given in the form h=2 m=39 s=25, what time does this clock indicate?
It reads h=7 m=53 s=50
